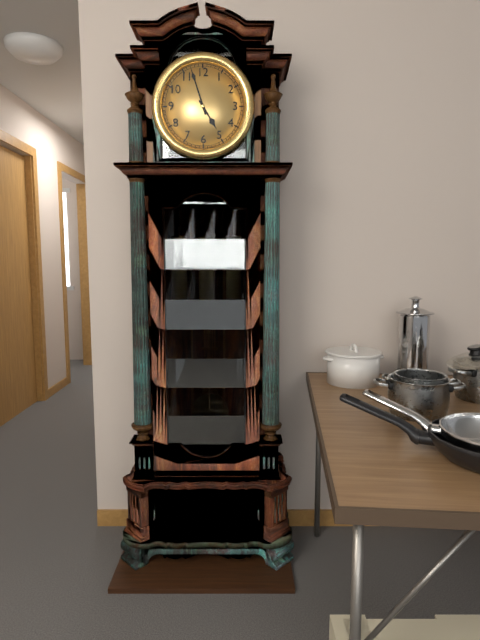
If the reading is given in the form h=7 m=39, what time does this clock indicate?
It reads h=4 m=57
